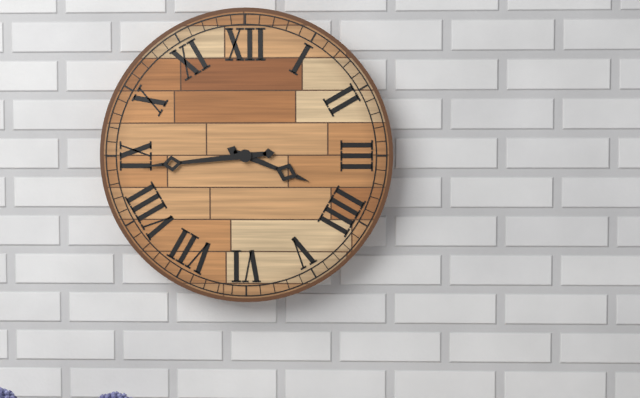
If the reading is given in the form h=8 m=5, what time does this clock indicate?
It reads h=3 m=44
